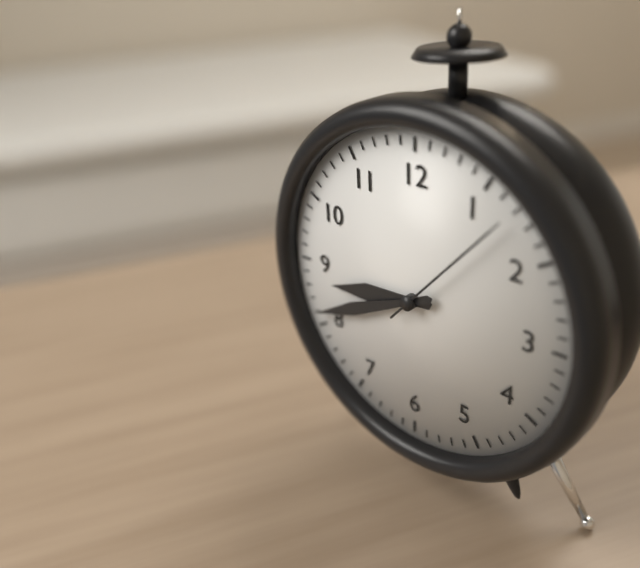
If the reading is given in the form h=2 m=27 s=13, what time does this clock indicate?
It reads h=8 m=41 s=7
